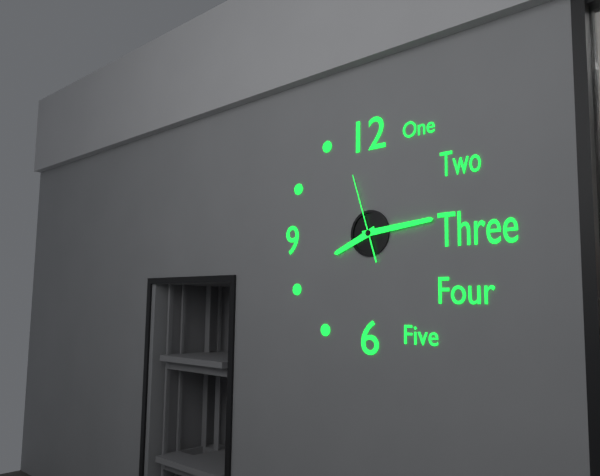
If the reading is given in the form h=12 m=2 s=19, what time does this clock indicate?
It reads h=8 m=14 s=57
